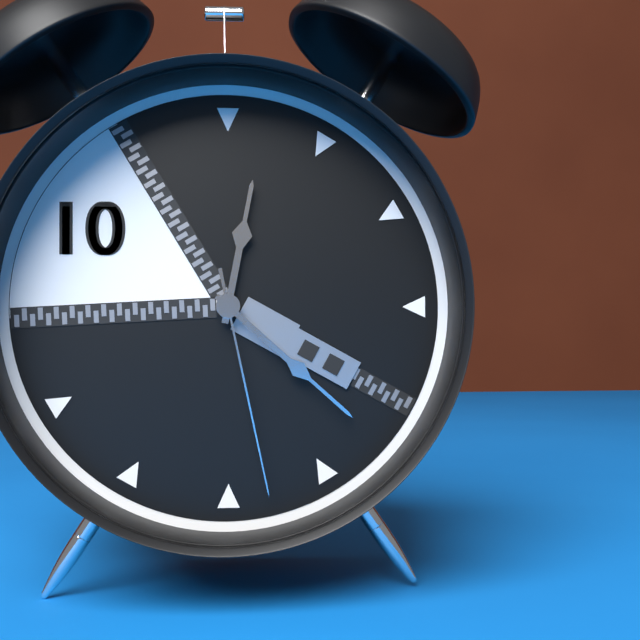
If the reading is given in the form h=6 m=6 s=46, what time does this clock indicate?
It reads h=12 m=22 s=28
